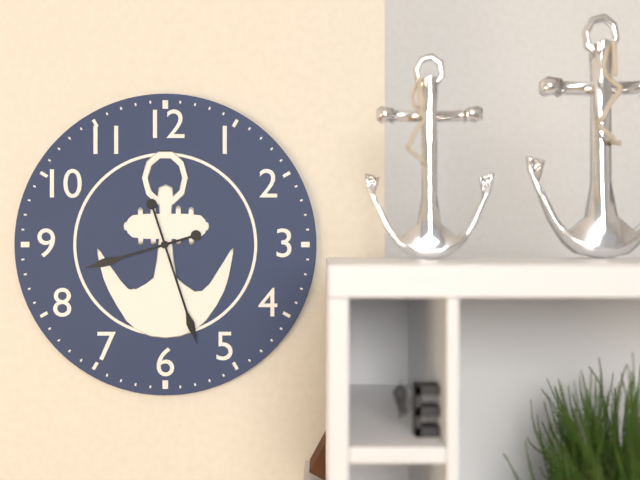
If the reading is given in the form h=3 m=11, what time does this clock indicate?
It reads h=8 m=27
